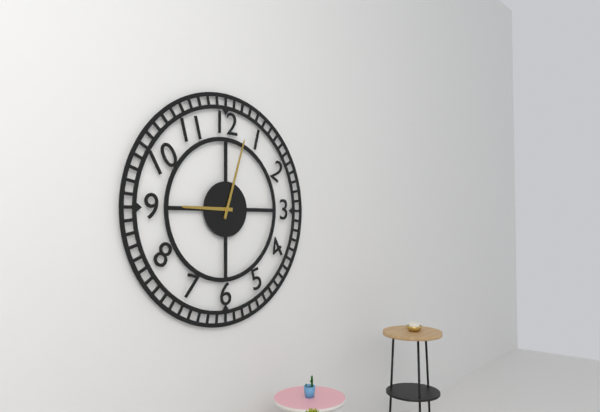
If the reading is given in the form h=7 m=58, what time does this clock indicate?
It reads h=9 m=3
